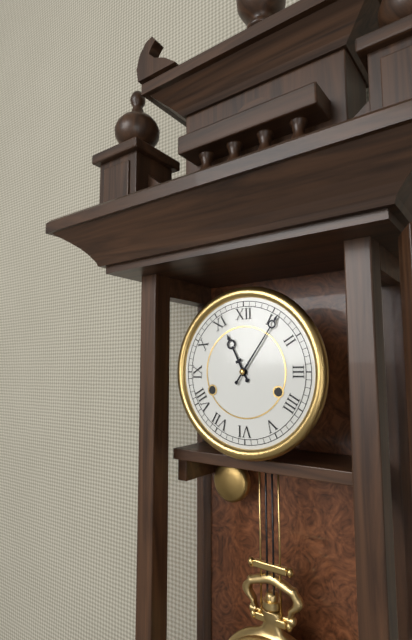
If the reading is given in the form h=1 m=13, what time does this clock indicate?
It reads h=11 m=6
